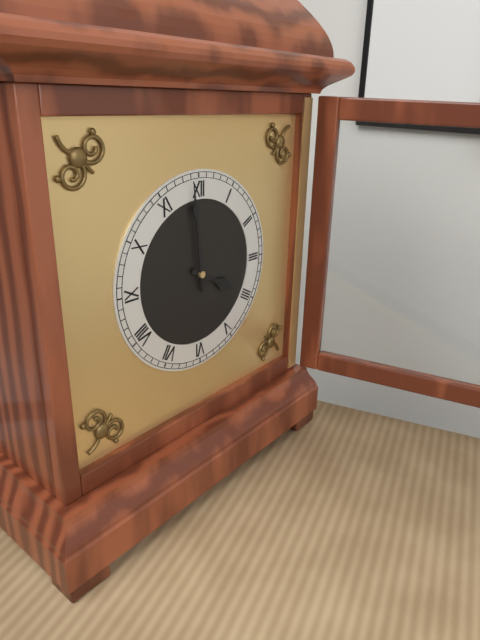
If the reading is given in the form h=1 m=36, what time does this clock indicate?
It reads h=3 m=59
